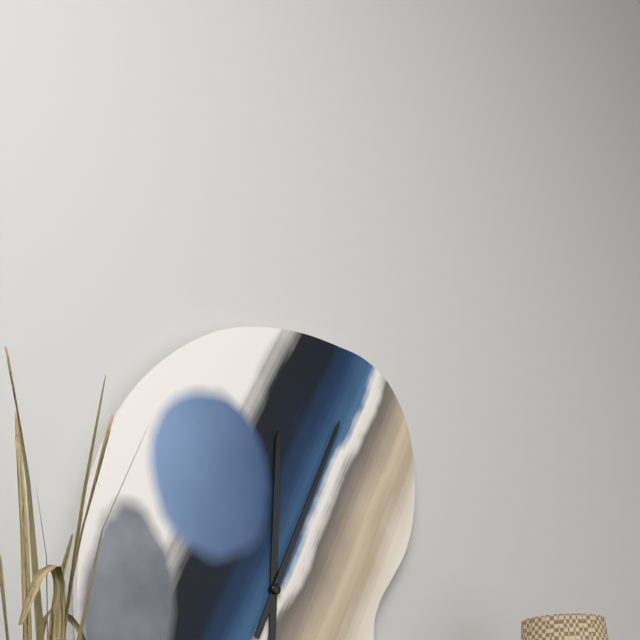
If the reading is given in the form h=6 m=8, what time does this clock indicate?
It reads h=12 m=4
